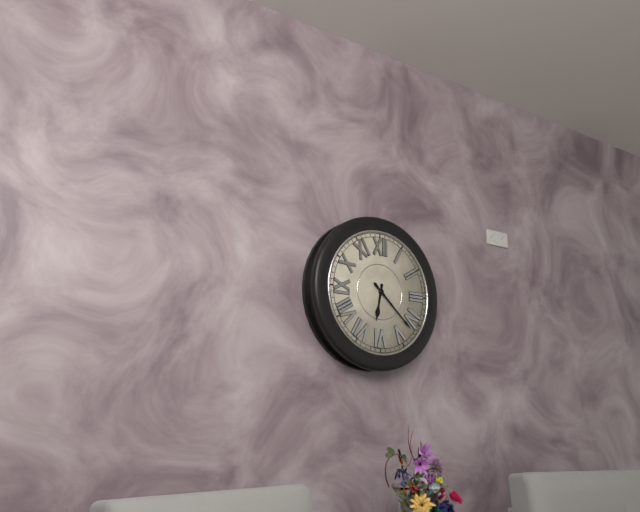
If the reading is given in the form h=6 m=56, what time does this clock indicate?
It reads h=6 m=22
